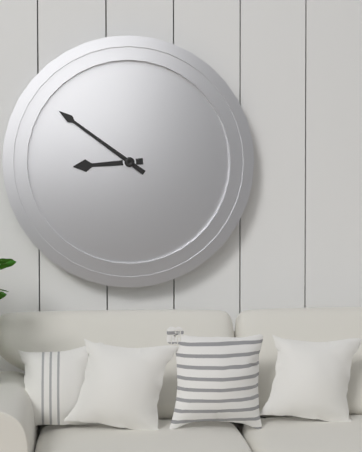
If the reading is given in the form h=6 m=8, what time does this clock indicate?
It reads h=8 m=51
